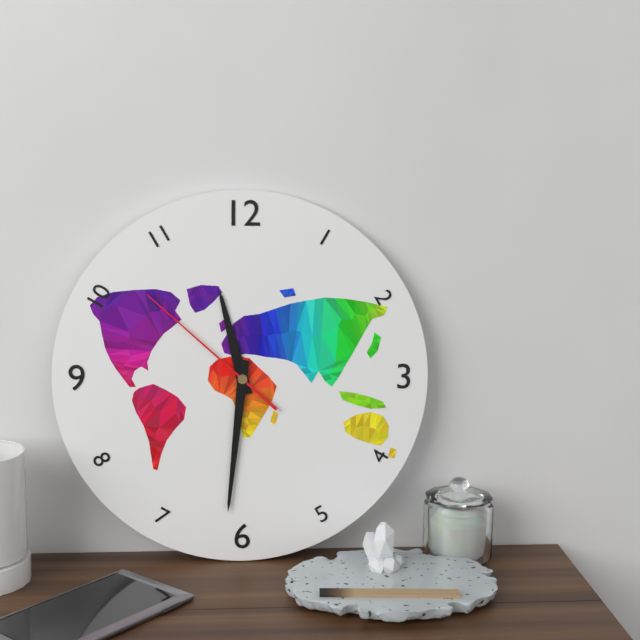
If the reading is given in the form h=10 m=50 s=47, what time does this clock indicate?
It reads h=11 m=31 s=52
